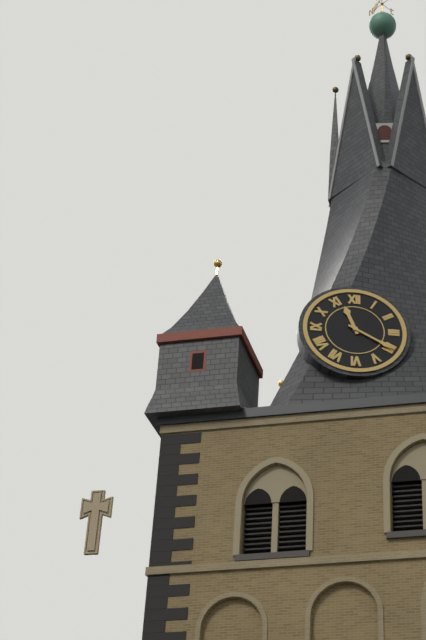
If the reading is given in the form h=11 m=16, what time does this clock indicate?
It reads h=11 m=20
